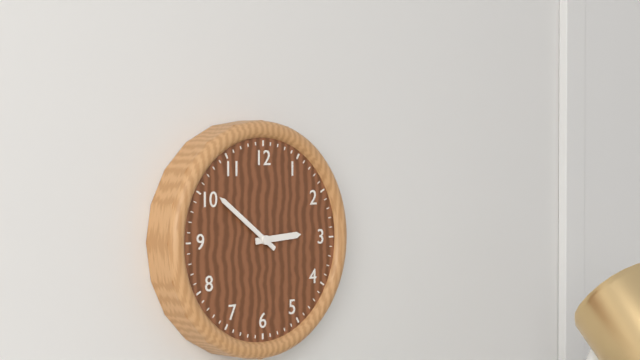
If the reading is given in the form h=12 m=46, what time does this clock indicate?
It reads h=2 m=51
